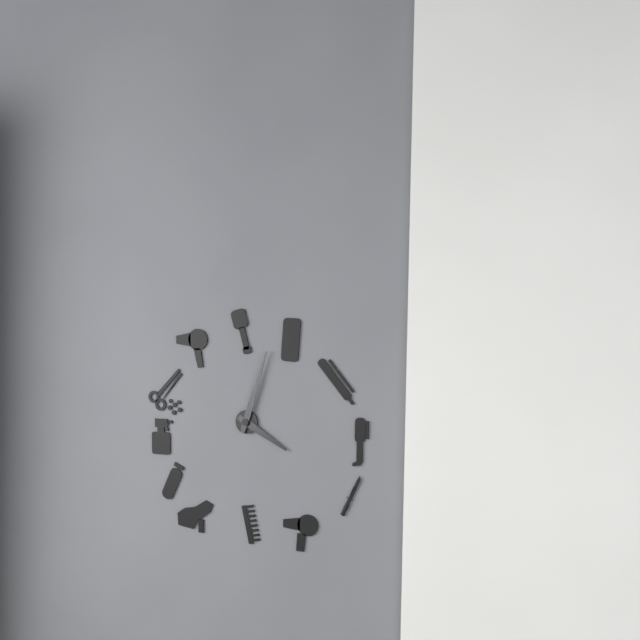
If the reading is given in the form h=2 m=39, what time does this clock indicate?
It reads h=4 m=3
